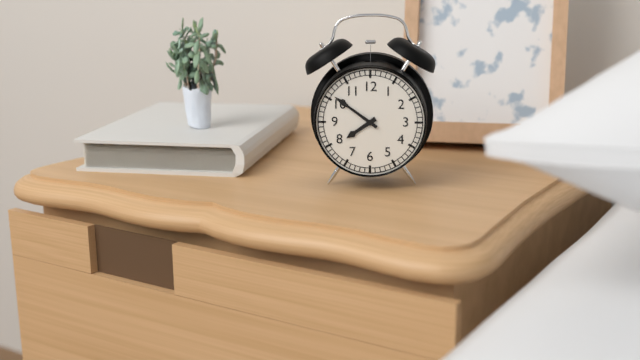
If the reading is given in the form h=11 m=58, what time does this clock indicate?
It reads h=7 m=51
